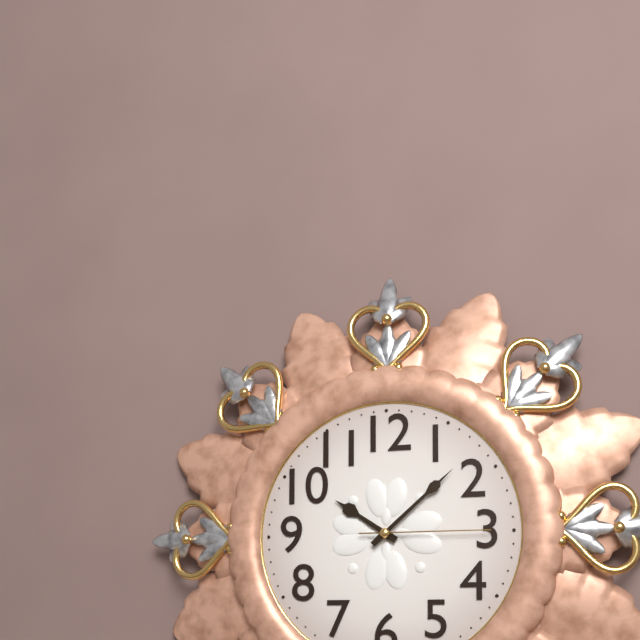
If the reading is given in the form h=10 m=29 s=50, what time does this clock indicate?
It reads h=10 m=8 s=15
